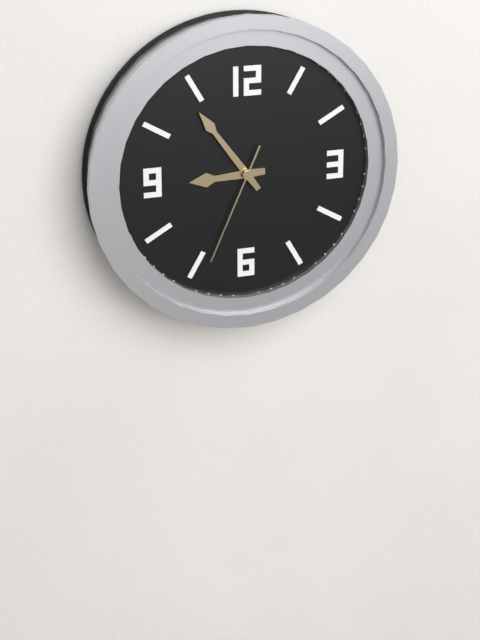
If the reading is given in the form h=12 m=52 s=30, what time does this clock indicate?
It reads h=8 m=54 s=34
